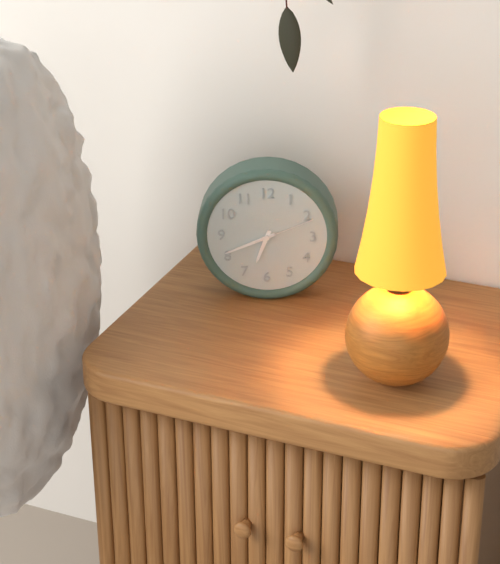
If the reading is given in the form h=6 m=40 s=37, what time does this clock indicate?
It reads h=6 m=41 s=11
